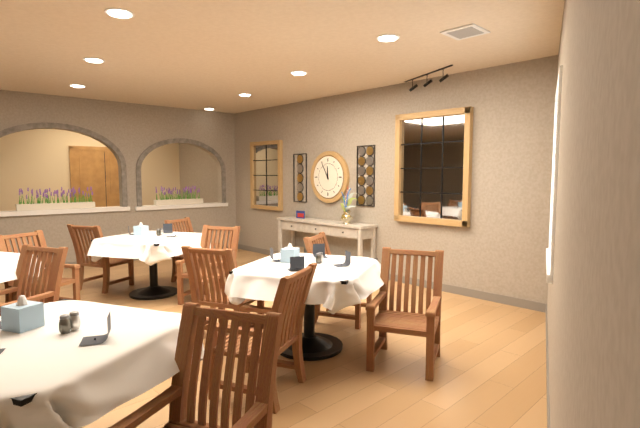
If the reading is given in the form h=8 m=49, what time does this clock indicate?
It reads h=11 m=55
